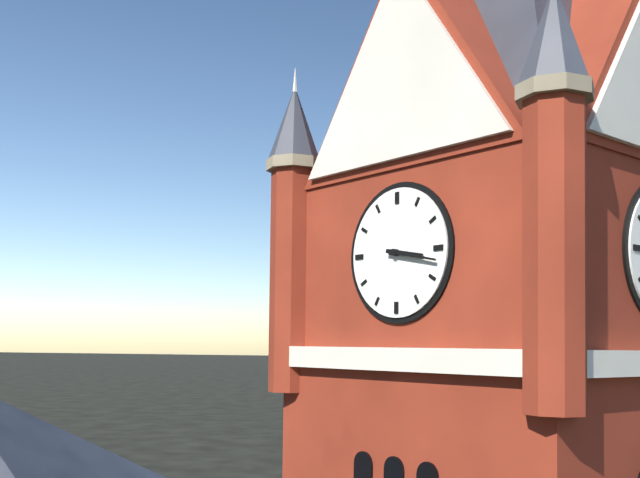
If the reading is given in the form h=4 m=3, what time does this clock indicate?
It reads h=3 m=17
